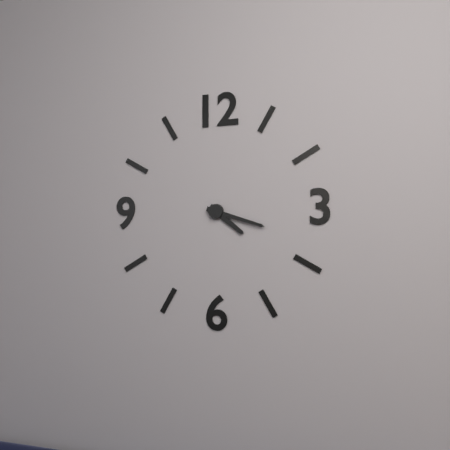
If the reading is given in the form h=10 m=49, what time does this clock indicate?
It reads h=4 m=18
